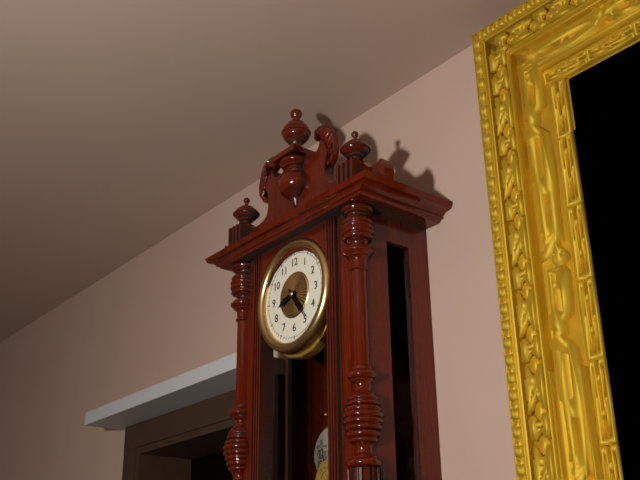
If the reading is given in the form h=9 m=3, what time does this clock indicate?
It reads h=8 m=24
